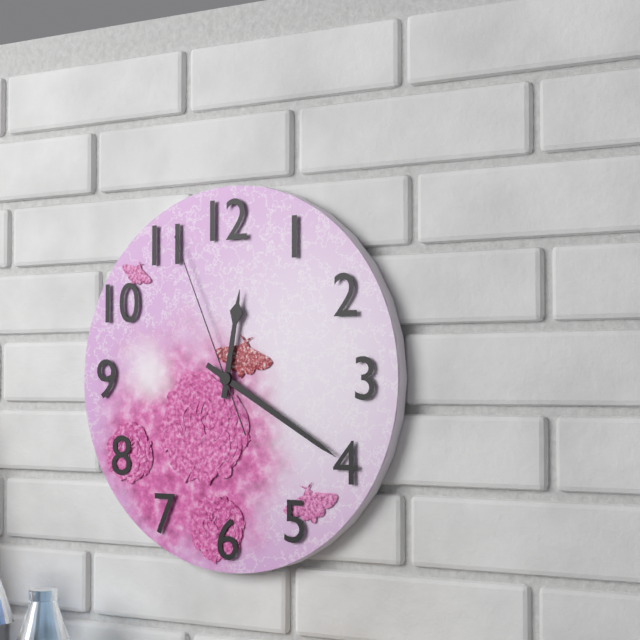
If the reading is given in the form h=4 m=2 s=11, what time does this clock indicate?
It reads h=12 m=20 s=56
